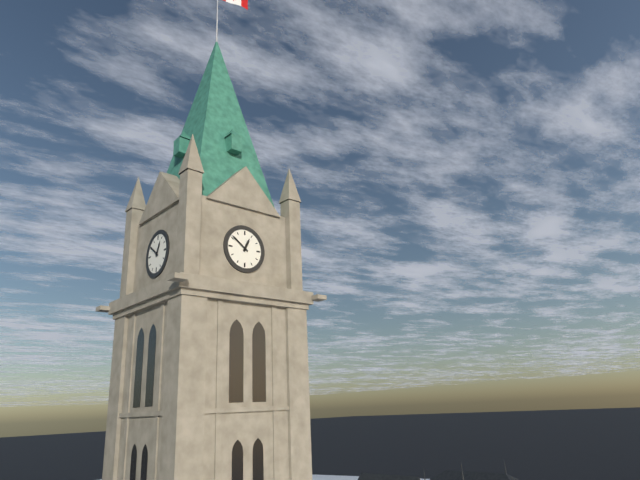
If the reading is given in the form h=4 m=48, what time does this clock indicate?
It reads h=12 m=51
